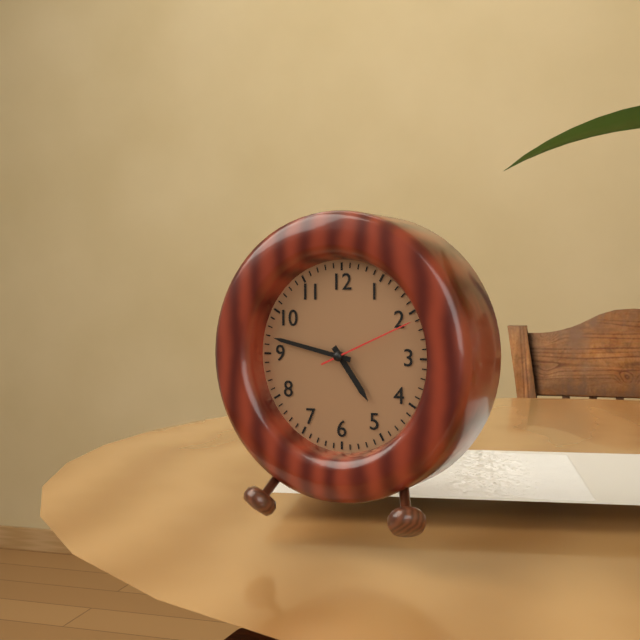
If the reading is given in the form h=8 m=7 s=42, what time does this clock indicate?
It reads h=4 m=47 s=11
